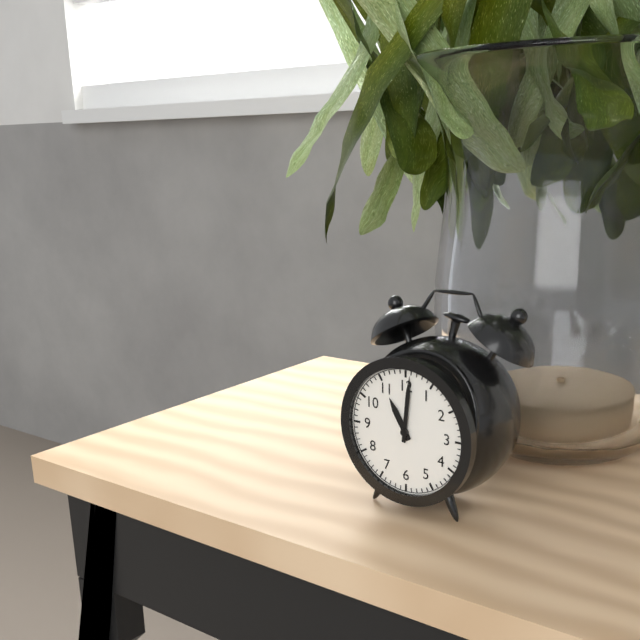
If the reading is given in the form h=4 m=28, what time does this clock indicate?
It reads h=11 m=1
